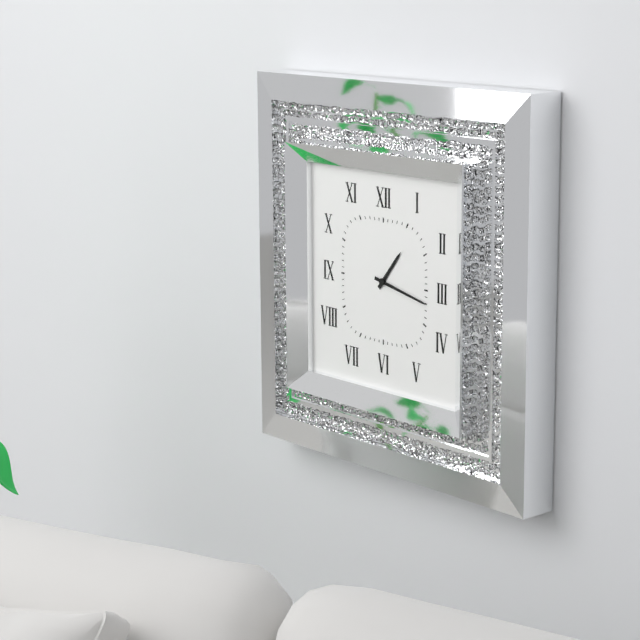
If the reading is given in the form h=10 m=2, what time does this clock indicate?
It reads h=1 m=17
